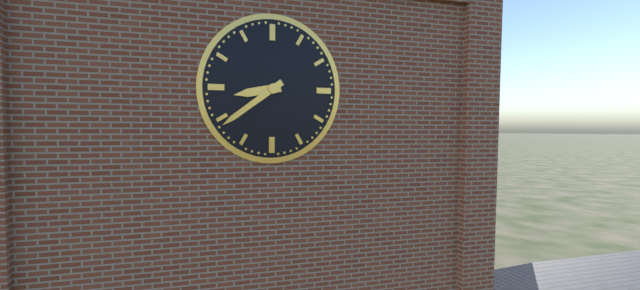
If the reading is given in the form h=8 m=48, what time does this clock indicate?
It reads h=8 m=39
